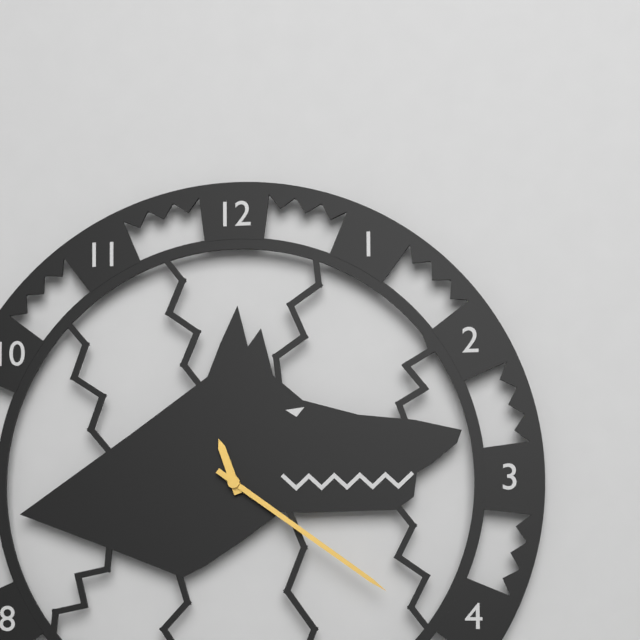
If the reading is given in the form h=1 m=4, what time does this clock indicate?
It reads h=11 m=21
